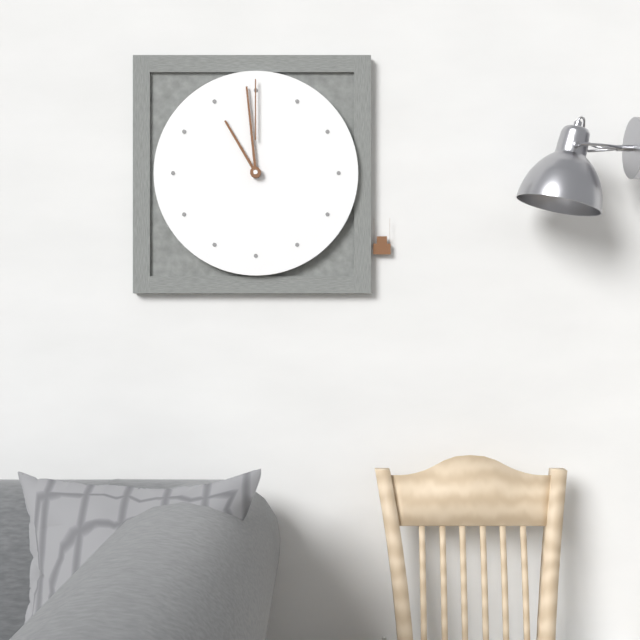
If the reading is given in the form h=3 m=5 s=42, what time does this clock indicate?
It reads h=10 m=59 s=0
